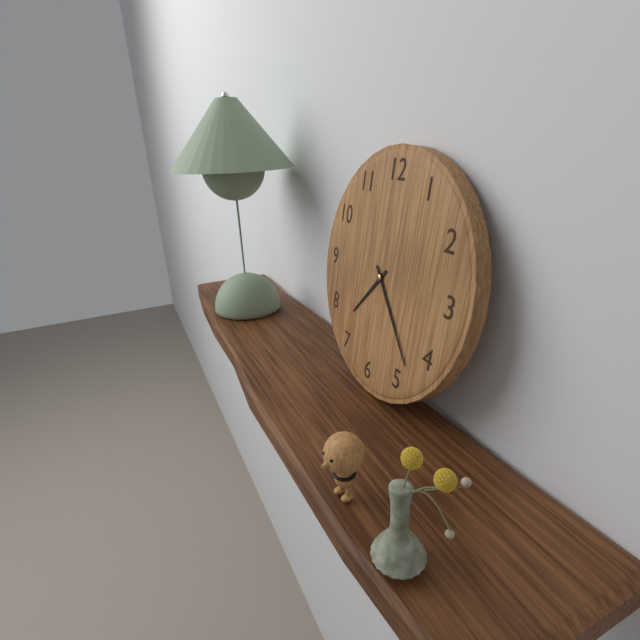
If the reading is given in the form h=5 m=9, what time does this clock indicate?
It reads h=7 m=23
